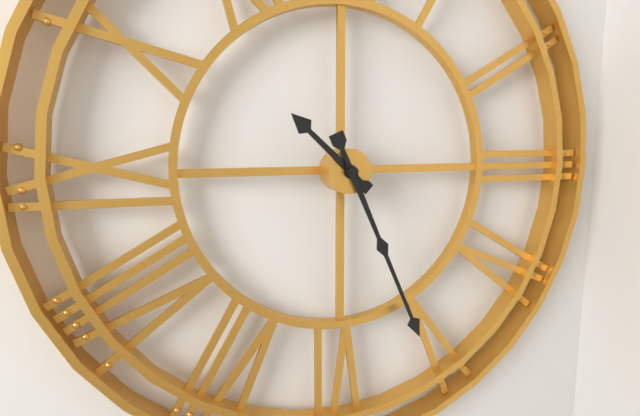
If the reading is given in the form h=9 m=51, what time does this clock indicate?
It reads h=10 m=26
